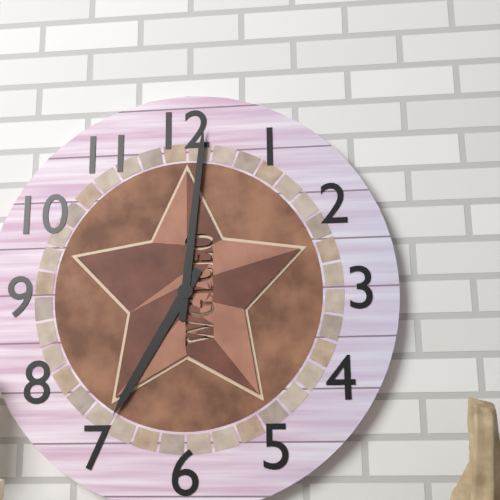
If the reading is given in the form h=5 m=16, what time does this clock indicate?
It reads h=7 m=1
